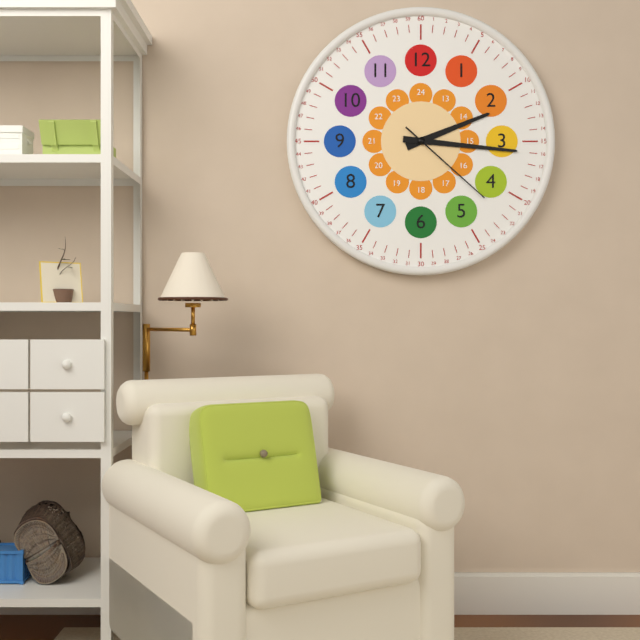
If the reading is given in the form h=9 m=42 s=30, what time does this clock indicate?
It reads h=2 m=16 s=22
